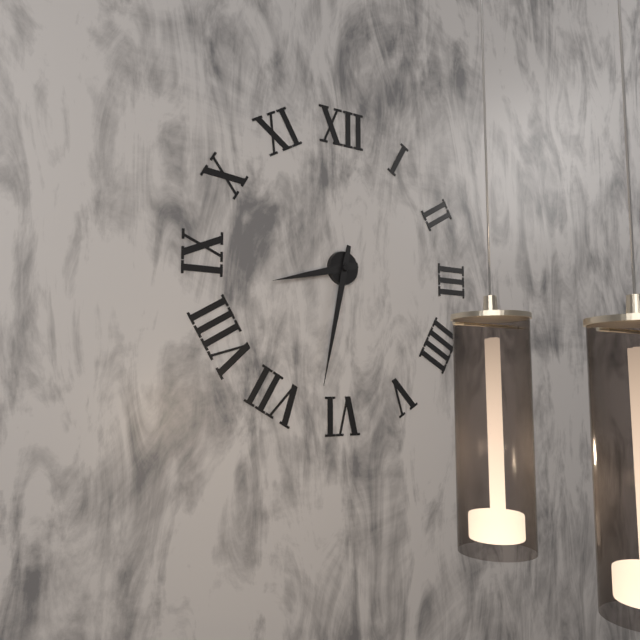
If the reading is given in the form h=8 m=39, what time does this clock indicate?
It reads h=8 m=32
